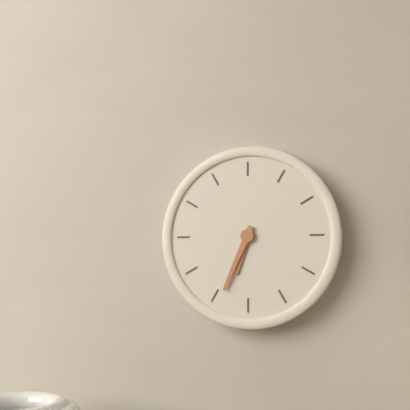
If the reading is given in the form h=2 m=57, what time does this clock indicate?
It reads h=6 m=34
